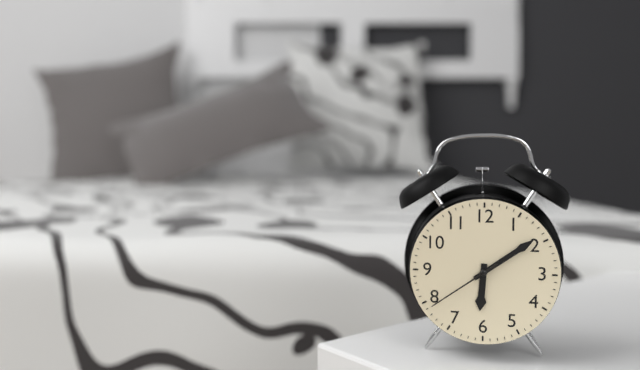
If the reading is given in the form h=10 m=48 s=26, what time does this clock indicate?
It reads h=6 m=9 s=39
